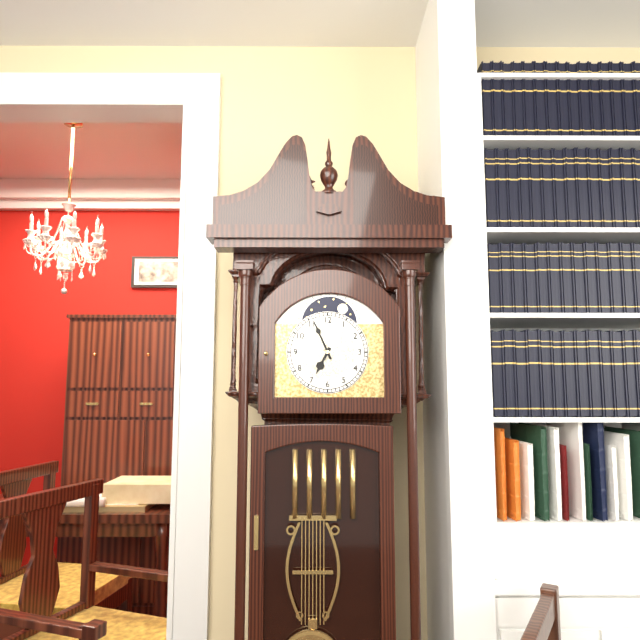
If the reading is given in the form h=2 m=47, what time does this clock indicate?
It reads h=6 m=56
